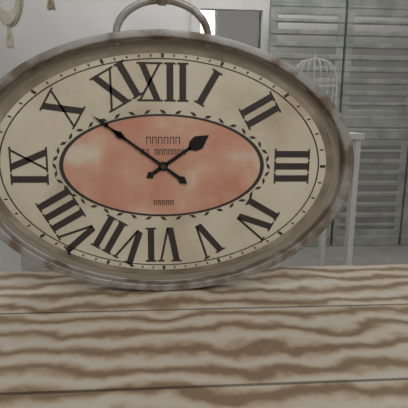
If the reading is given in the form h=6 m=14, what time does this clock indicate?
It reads h=1 m=51
